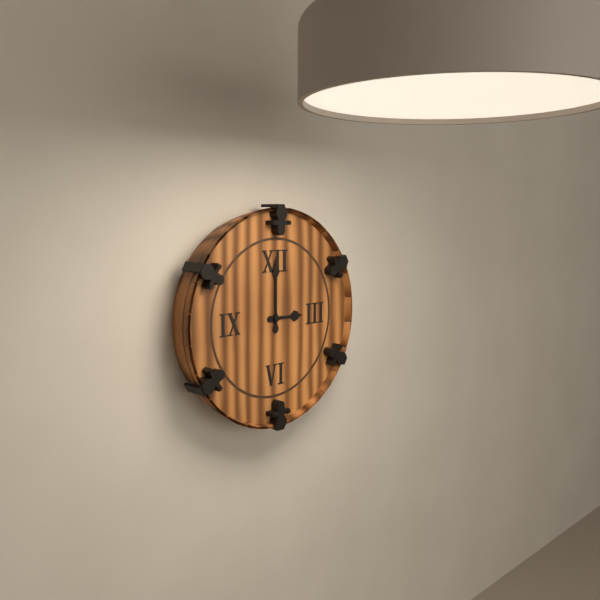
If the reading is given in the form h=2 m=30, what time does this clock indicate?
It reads h=3 m=0
